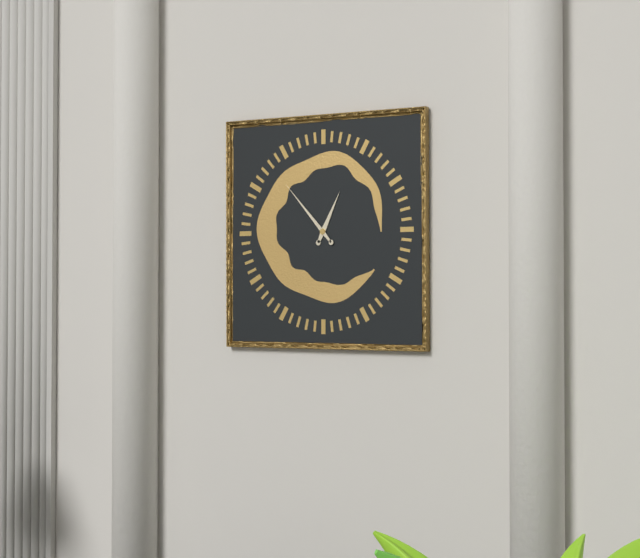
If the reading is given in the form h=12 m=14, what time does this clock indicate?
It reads h=12 m=53
